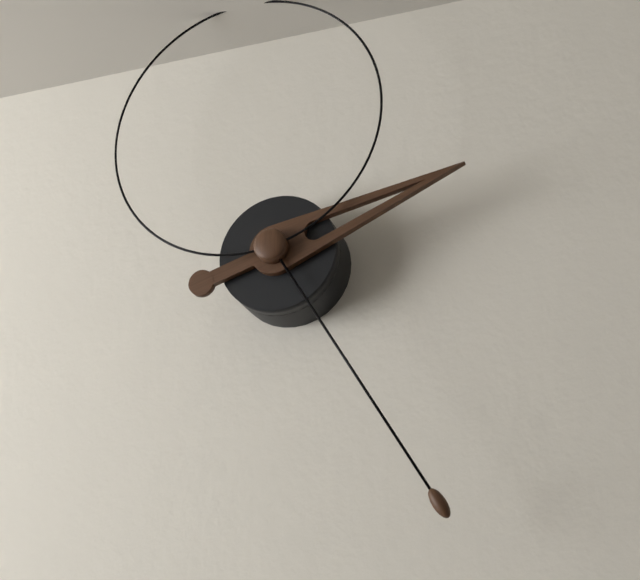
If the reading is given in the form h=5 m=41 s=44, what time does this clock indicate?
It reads h=2 m=25 s=58
